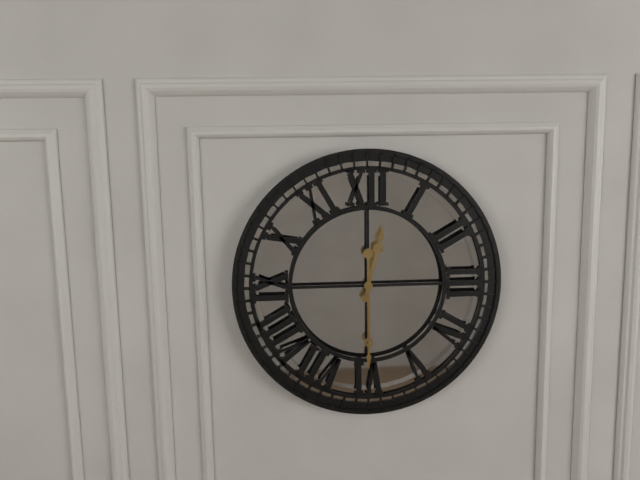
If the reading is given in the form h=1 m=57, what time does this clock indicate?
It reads h=12 m=30
